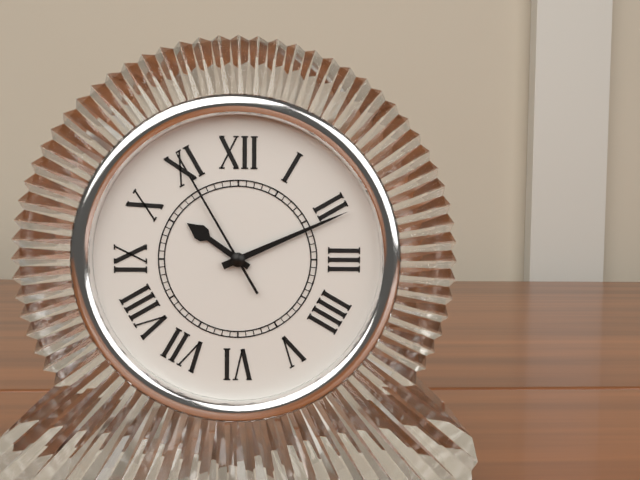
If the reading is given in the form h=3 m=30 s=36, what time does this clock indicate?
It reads h=10 m=11 s=55
